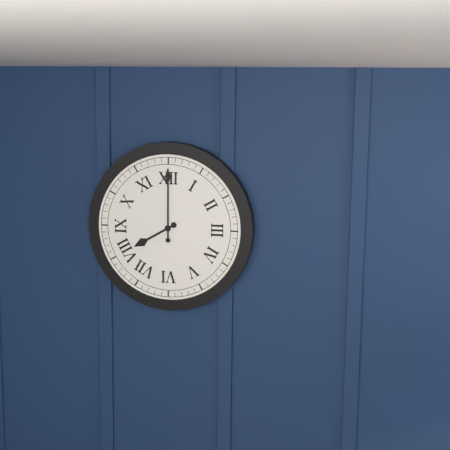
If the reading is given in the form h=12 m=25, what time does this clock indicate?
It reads h=8 m=0
